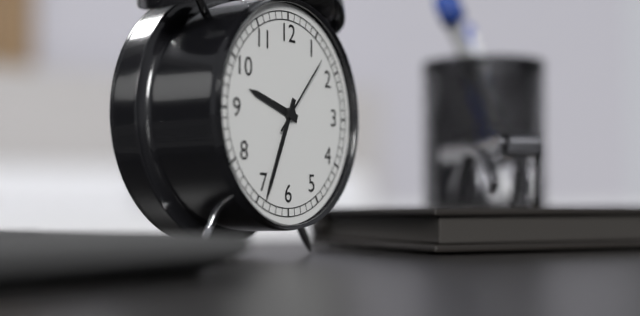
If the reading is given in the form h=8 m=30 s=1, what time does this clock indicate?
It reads h=9 m=34 s=7
